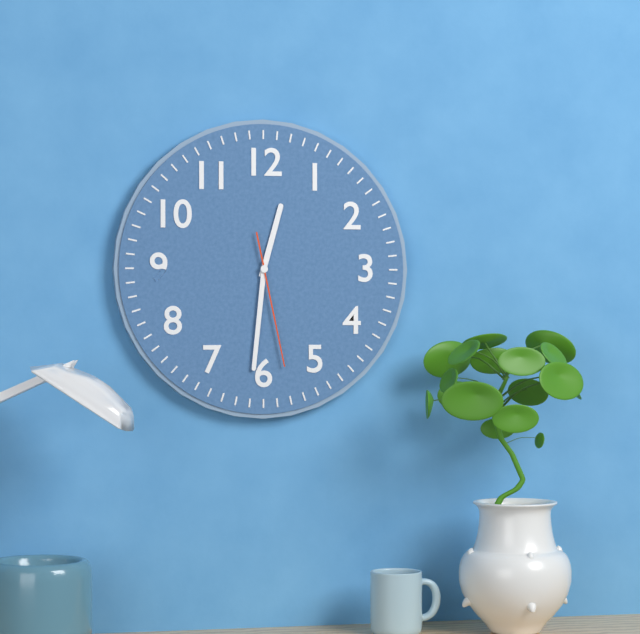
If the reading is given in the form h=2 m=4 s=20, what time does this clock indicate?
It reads h=12 m=31 s=28
